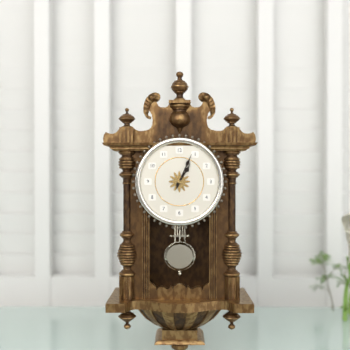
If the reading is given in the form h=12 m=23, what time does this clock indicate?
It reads h=1 m=4
